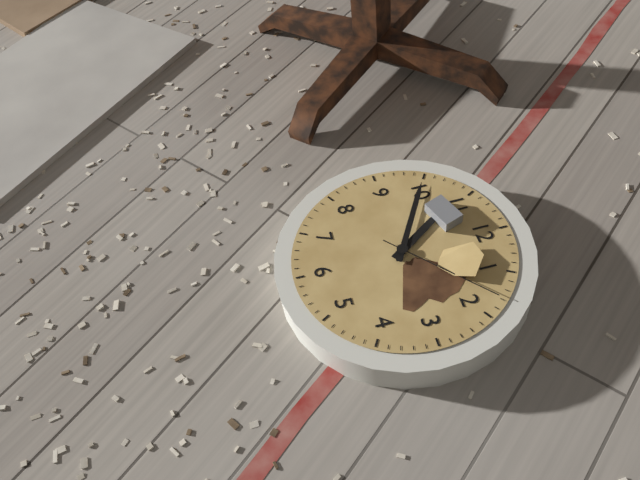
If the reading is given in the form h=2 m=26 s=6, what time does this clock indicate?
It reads h=10 m=50 s=8
